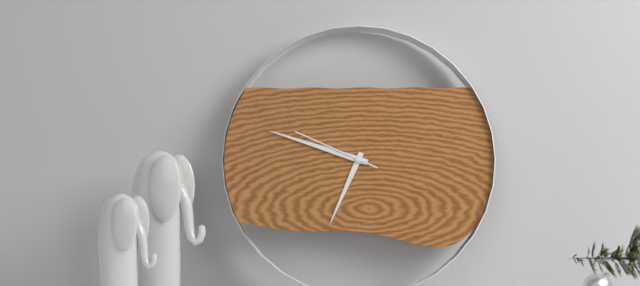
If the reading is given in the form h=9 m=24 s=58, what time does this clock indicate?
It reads h=6 m=48 s=49
